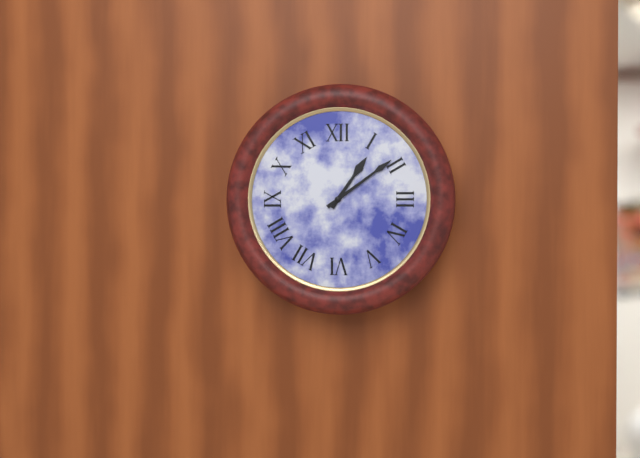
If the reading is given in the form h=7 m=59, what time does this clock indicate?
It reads h=1 m=9
